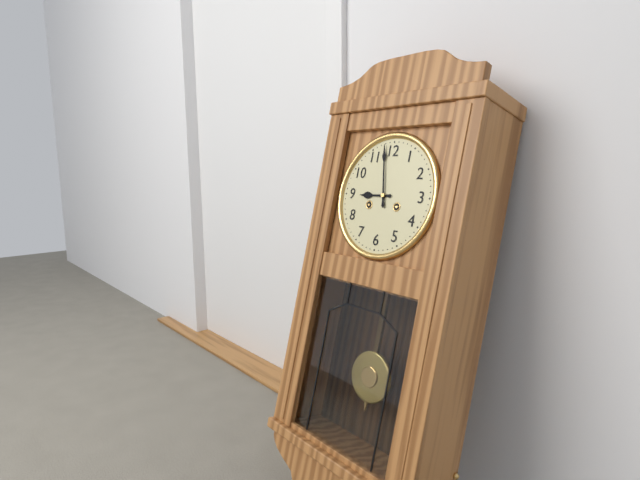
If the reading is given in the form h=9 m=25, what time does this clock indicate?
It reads h=8 m=58
